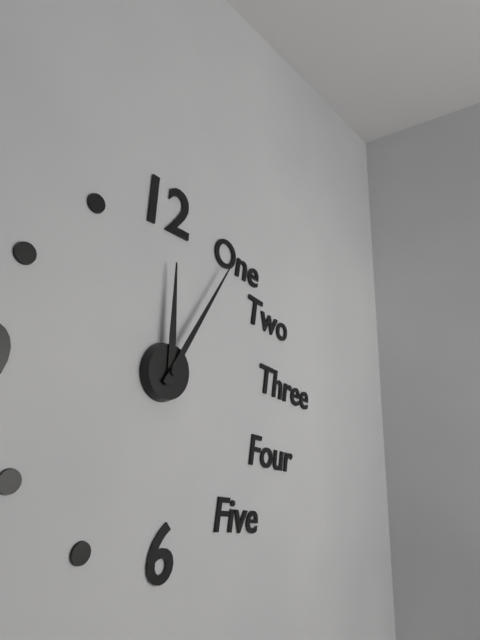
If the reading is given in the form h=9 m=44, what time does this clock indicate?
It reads h=12 m=6
